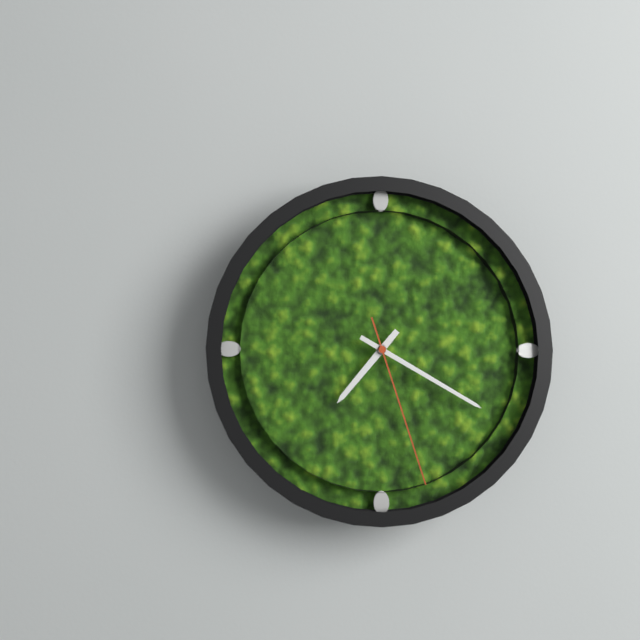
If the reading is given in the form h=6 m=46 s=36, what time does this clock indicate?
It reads h=7 m=20 s=27
